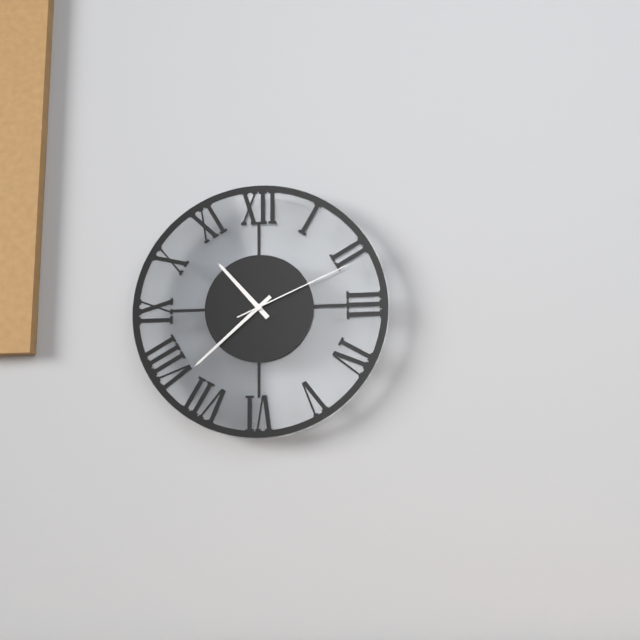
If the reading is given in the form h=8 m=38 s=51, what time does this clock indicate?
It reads h=10 m=38 s=11
